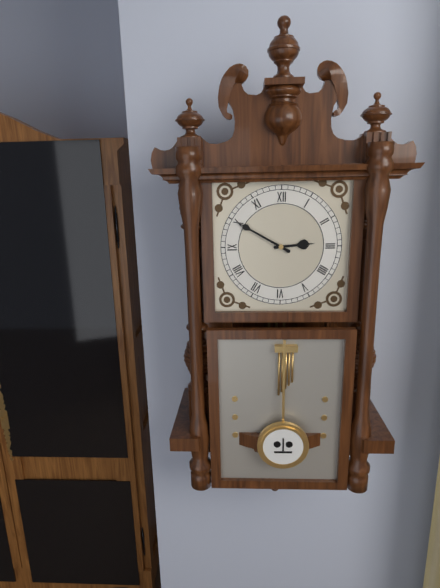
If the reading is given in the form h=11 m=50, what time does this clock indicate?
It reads h=2 m=50
